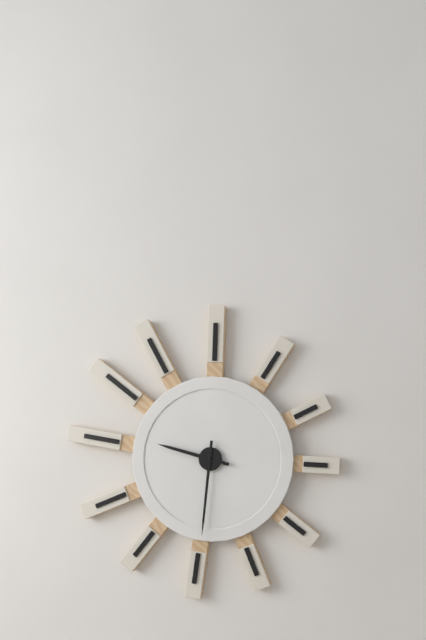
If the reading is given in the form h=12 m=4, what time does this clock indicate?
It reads h=9 m=31
